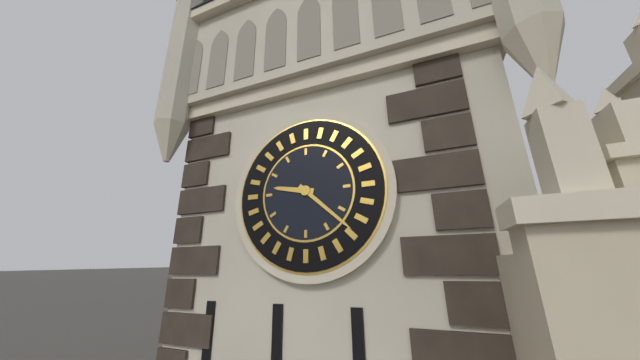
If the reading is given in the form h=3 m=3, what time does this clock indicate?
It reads h=9 m=22
